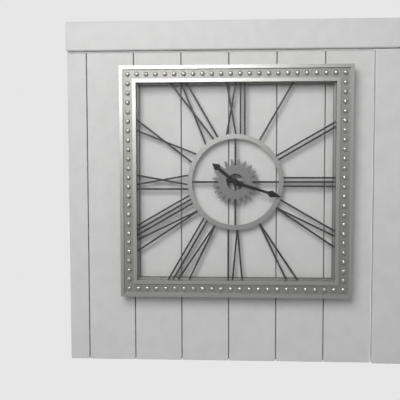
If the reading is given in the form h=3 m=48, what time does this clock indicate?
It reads h=10 m=18
